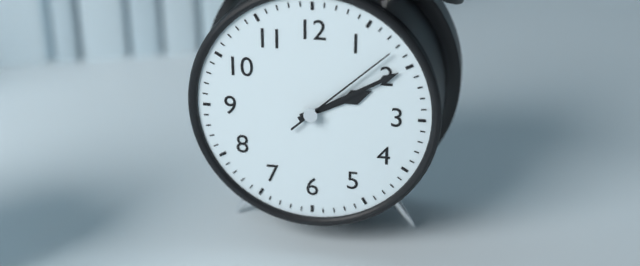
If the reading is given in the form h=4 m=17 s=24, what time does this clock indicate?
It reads h=2 m=10 s=8
